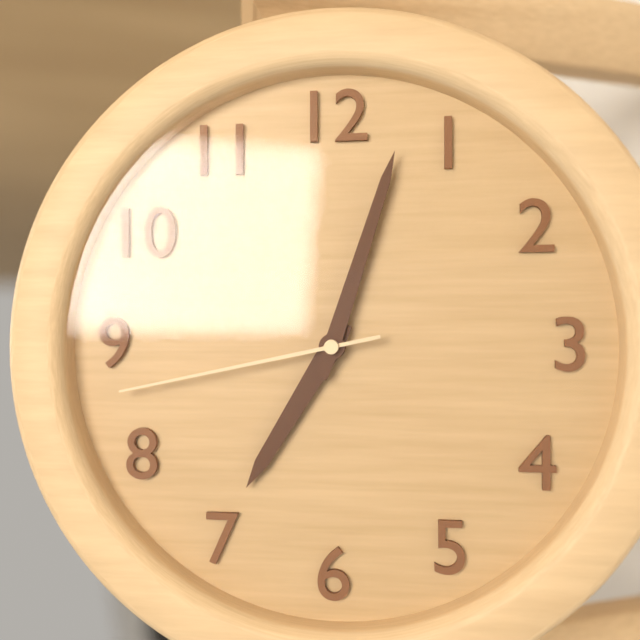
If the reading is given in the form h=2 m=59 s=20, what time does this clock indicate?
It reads h=7 m=3 s=43
